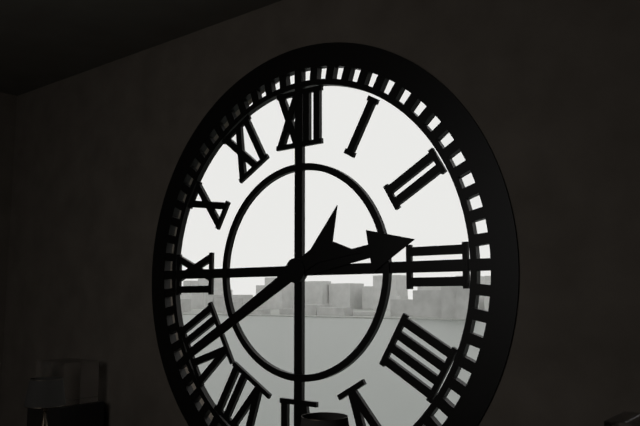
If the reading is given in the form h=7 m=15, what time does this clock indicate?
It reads h=2 m=40
